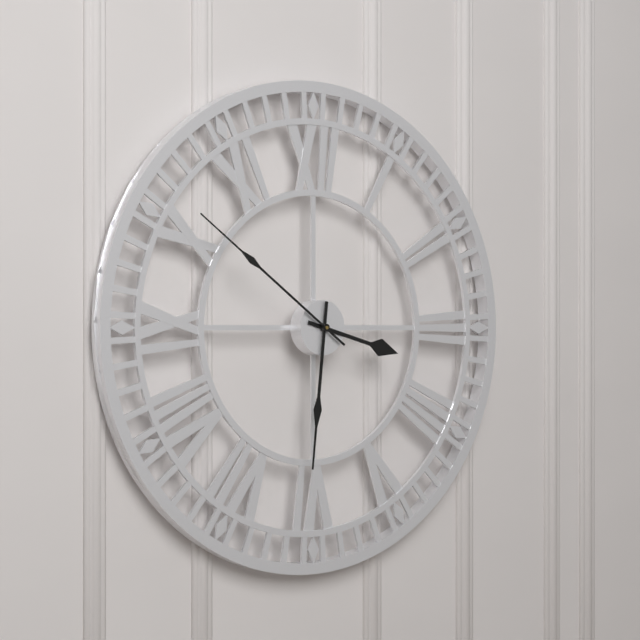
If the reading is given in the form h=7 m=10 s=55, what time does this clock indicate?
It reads h=3 m=31 s=51
